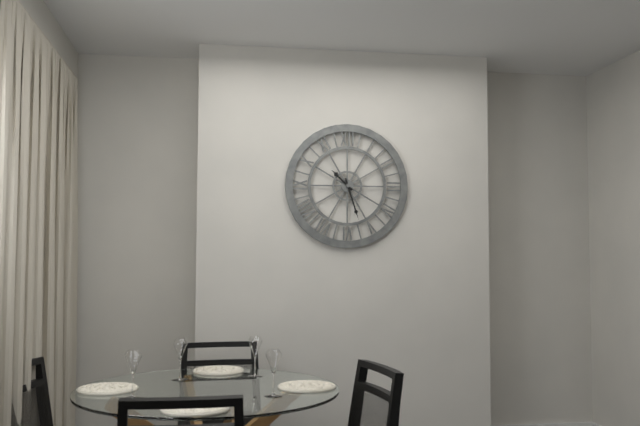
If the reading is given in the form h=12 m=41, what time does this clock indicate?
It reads h=10 m=27
